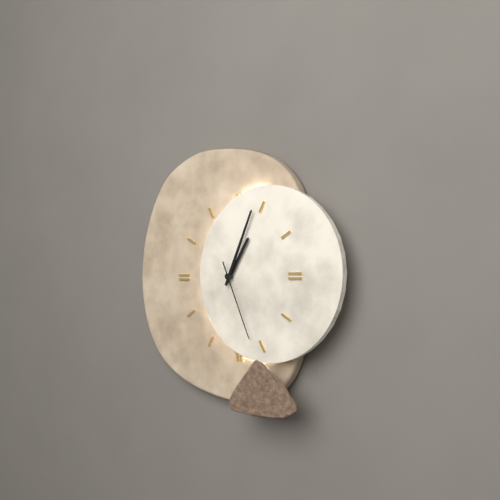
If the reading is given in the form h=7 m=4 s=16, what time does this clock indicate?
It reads h=1 m=4 s=26
